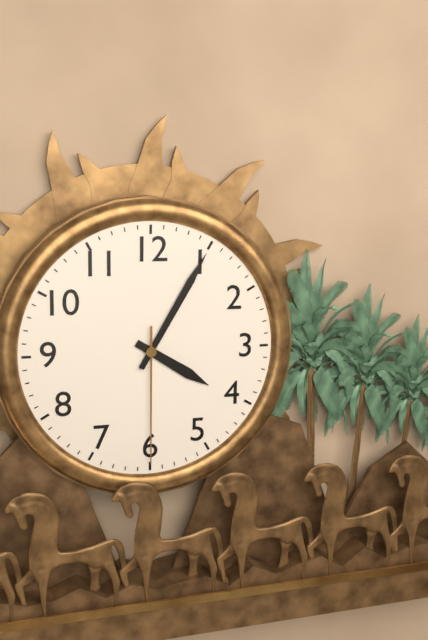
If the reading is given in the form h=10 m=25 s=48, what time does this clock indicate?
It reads h=4 m=5 s=30
